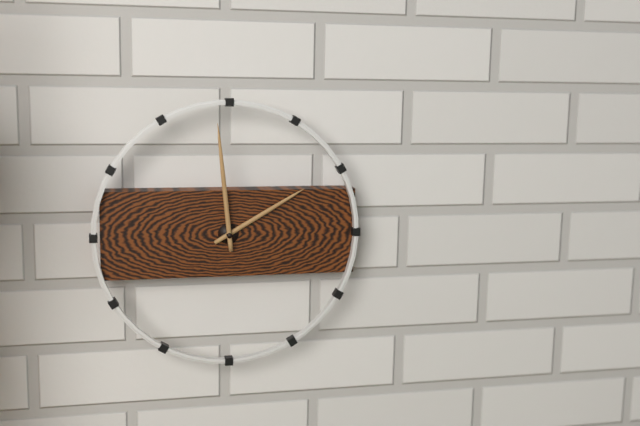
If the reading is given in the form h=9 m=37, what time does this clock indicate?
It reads h=1 m=59
